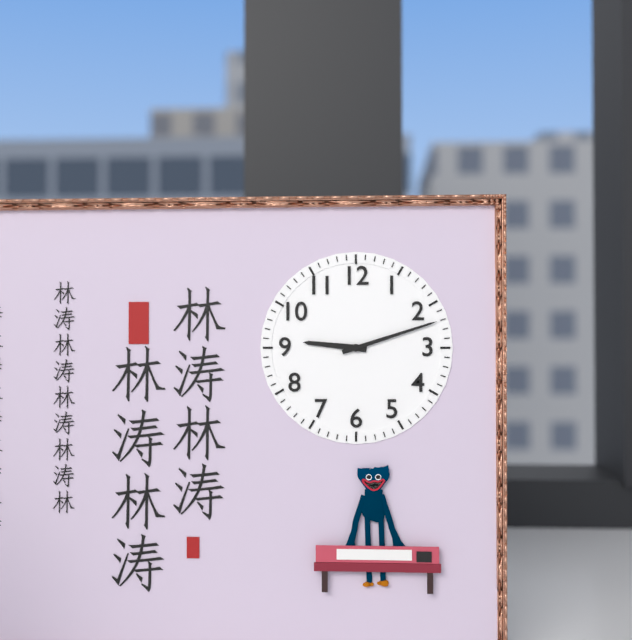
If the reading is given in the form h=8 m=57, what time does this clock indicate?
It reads h=9 m=12
